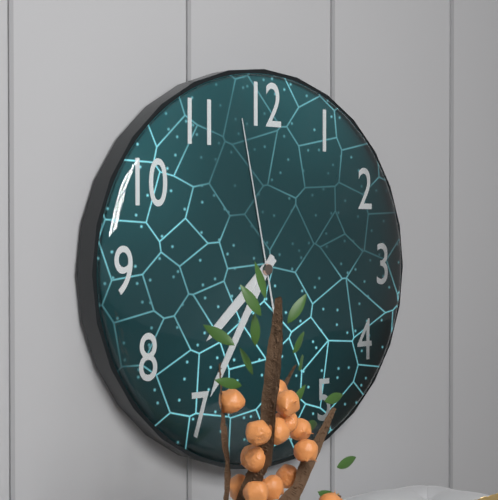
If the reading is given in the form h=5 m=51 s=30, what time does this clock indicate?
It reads h=7 m=35 s=58
